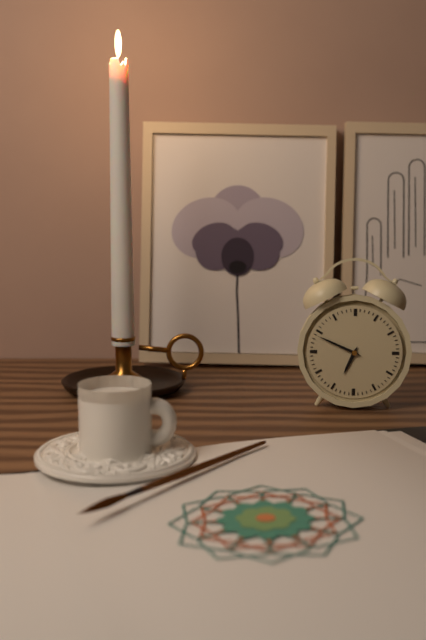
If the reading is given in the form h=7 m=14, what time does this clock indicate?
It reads h=6 m=49
